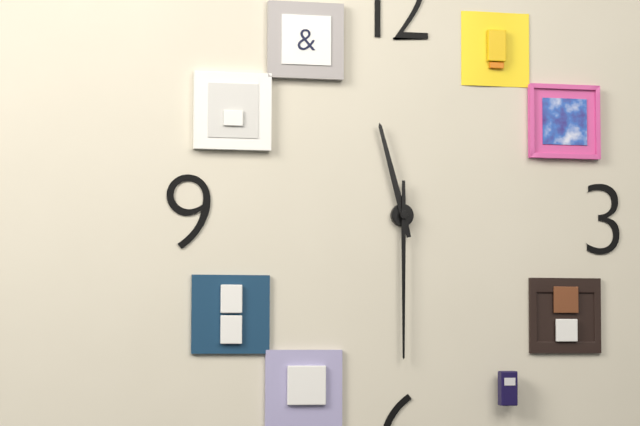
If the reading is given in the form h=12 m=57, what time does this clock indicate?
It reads h=11 m=30
